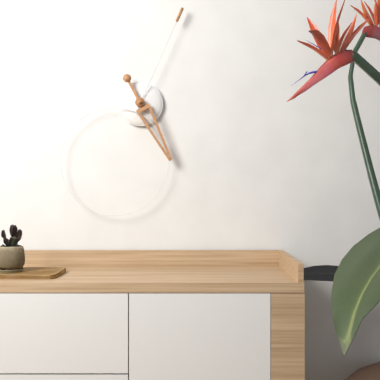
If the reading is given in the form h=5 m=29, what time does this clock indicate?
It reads h=5 m=4
